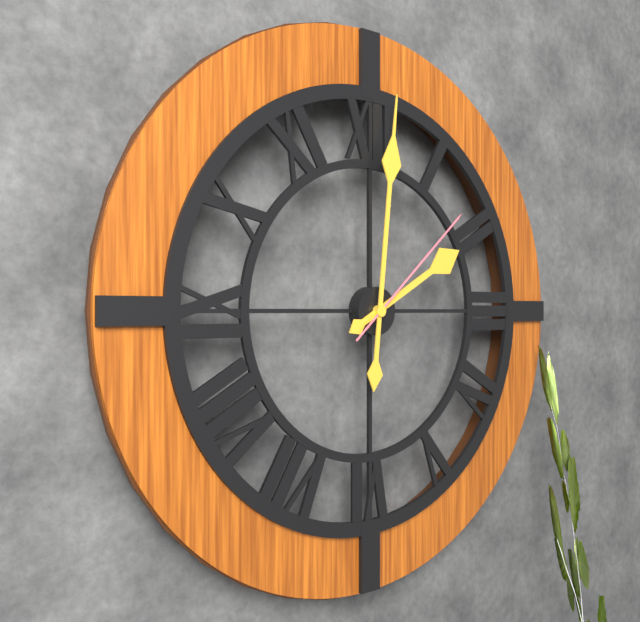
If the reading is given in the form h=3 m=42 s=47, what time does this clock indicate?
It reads h=2 m=1 s=8
